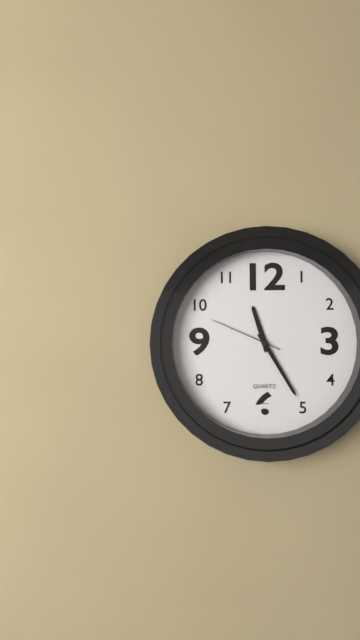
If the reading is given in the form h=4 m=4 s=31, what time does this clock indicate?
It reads h=11 m=25 s=49
